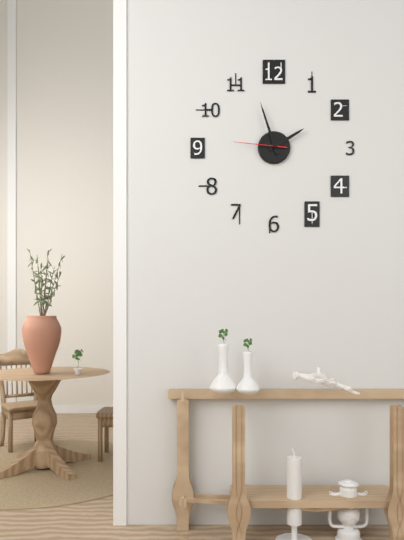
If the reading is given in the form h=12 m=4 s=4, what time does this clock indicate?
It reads h=1 m=57 s=46
